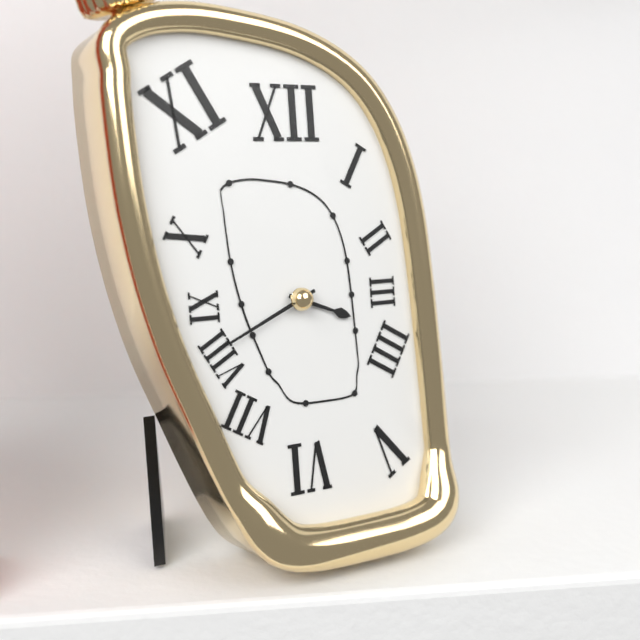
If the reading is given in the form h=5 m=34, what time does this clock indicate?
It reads h=3 m=41
